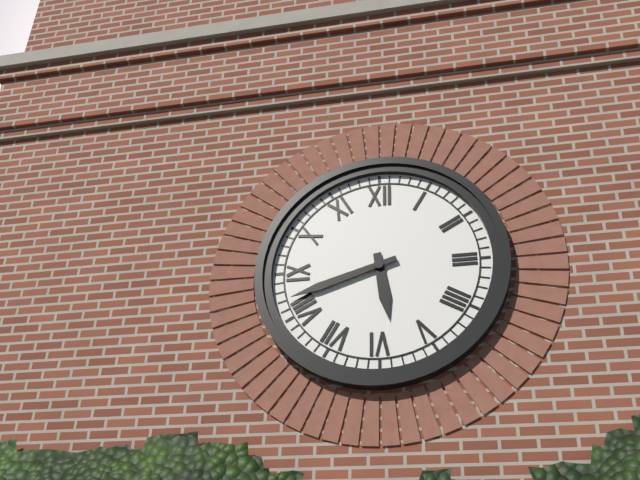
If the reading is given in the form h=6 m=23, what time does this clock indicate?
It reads h=5 m=42
